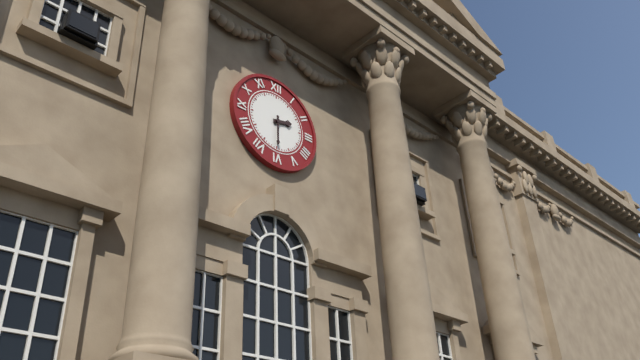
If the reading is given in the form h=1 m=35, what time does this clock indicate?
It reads h=2 m=30
